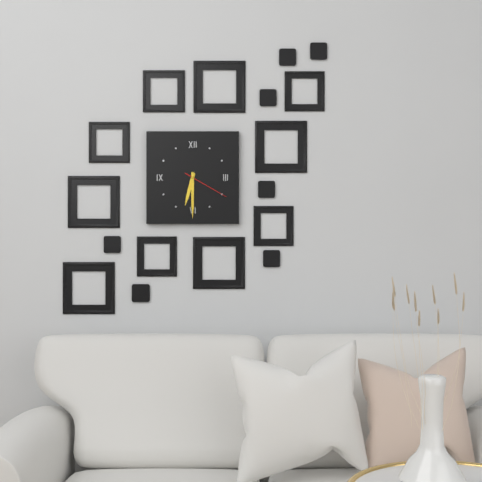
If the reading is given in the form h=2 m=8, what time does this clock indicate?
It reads h=6 m=30
